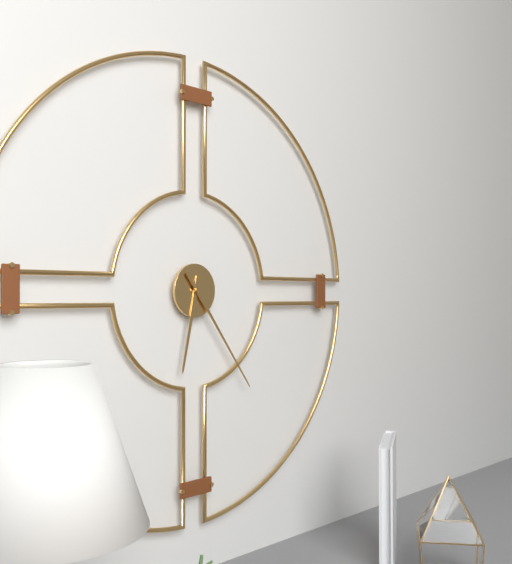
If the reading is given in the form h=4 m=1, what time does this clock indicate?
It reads h=6 m=24
